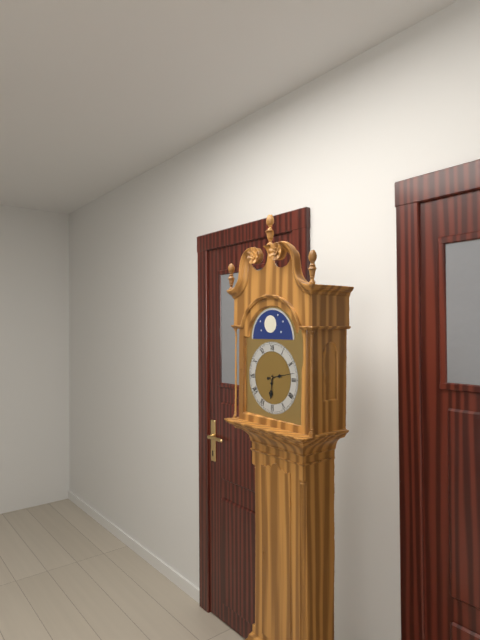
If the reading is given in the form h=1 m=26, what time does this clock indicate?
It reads h=6 m=13
